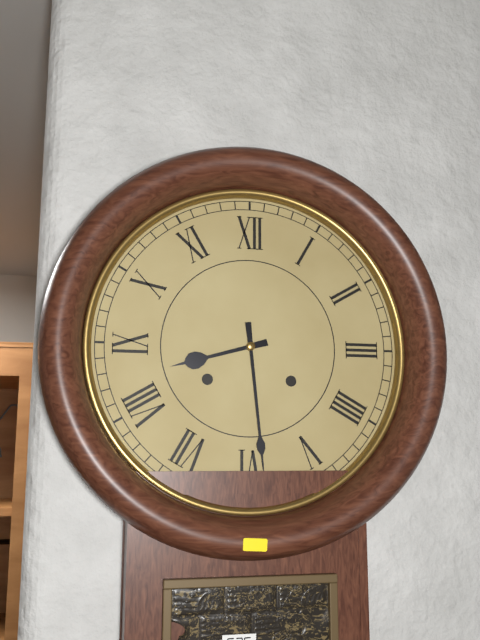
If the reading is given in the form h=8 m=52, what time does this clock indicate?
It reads h=8 m=29
